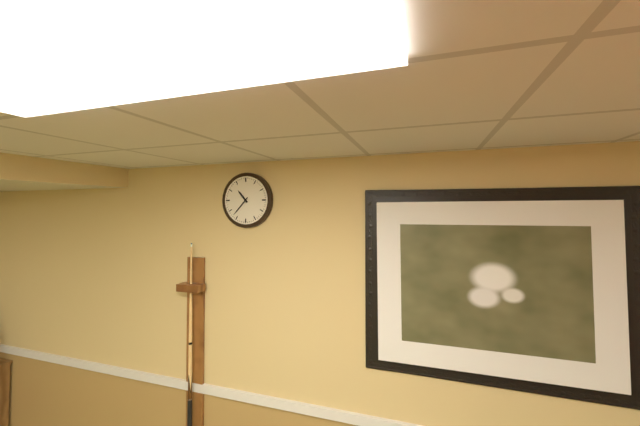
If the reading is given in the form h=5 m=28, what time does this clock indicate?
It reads h=10 m=37
